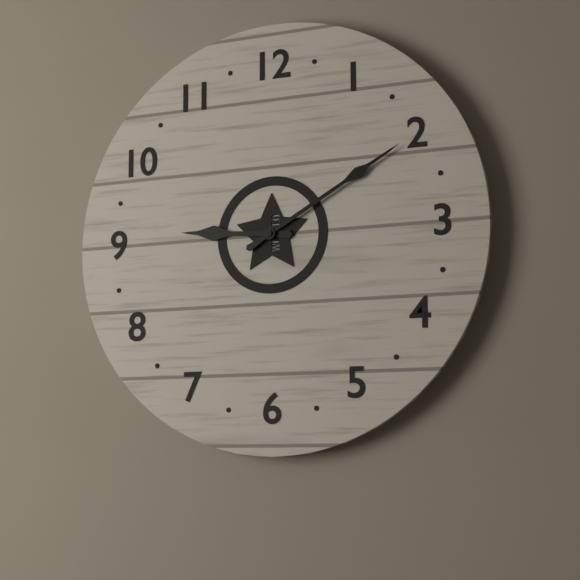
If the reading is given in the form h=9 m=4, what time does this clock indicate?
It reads h=9 m=10
